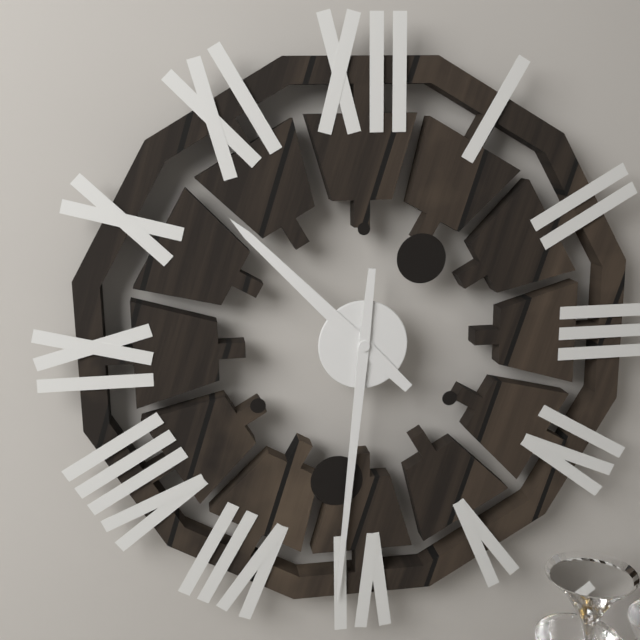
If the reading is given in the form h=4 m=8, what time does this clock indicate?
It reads h=10 m=31
